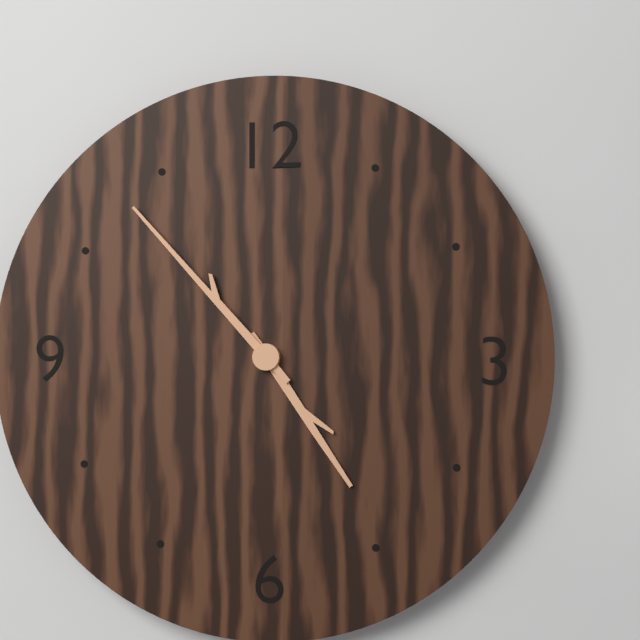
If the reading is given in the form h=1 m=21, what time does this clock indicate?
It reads h=4 m=53
